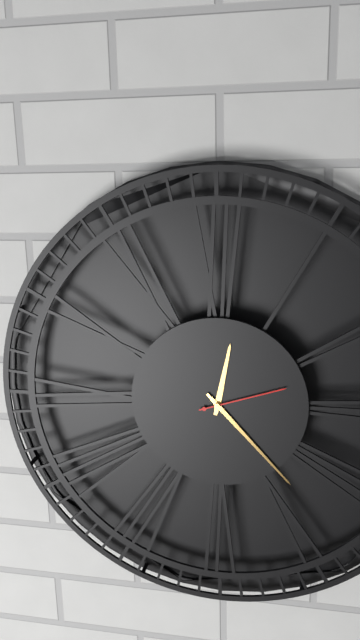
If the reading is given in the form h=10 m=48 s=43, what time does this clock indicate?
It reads h=12 m=23 s=12
